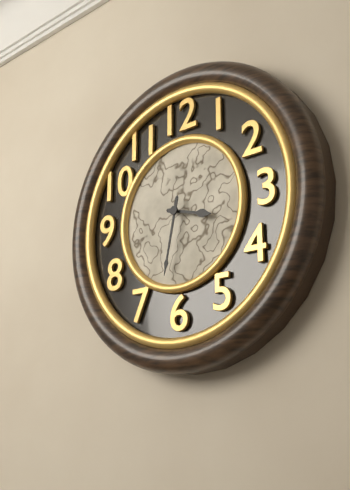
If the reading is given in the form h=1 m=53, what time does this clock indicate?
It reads h=3 m=32
